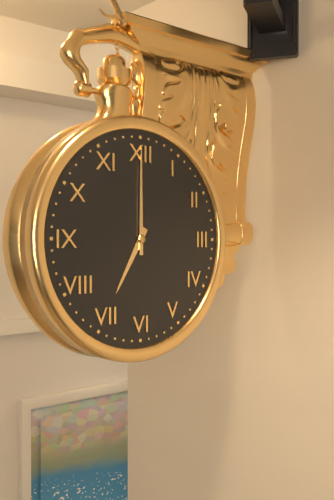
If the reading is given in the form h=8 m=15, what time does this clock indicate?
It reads h=7 m=0
